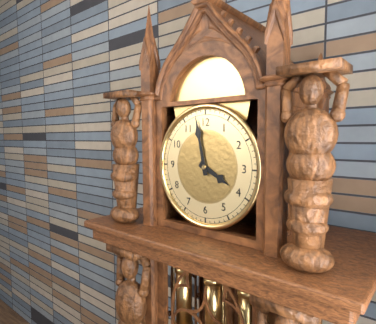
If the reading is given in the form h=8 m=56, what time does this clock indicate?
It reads h=3 m=58
